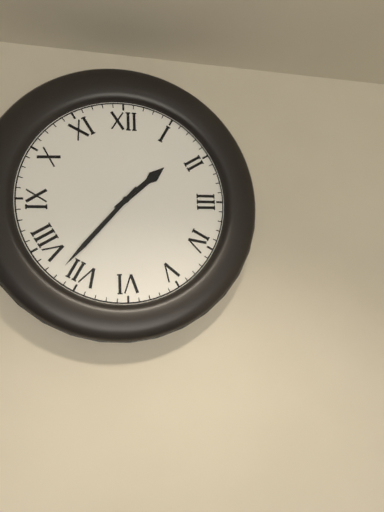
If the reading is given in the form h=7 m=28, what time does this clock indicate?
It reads h=1 m=37
